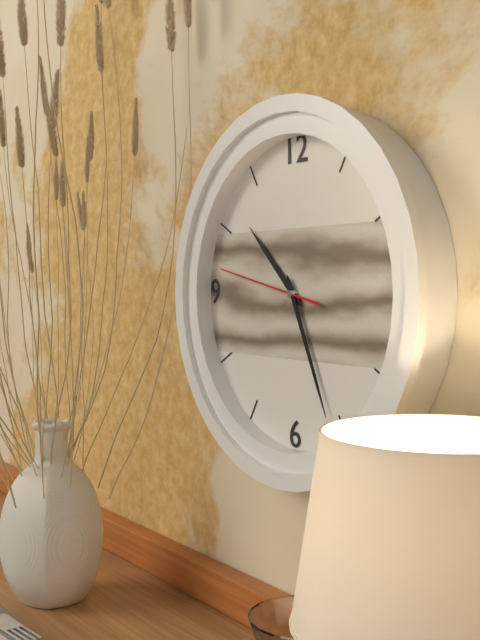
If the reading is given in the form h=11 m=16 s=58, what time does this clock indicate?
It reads h=10 m=26 s=47
